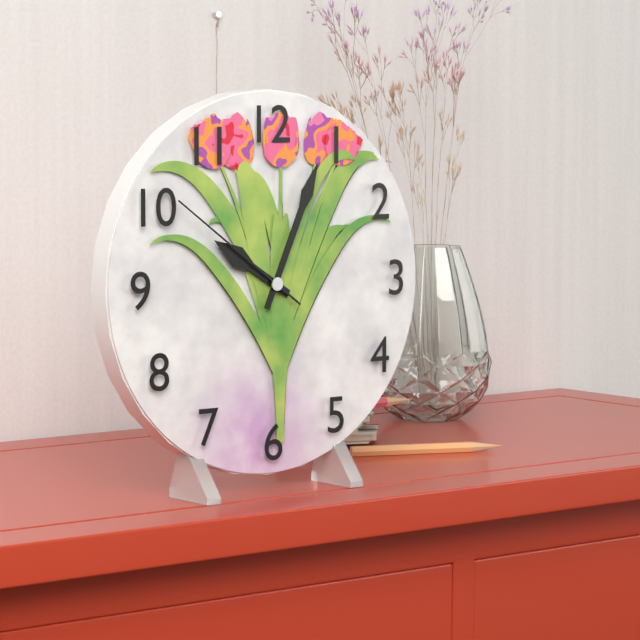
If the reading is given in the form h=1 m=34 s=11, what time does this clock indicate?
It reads h=10 m=4 s=51
